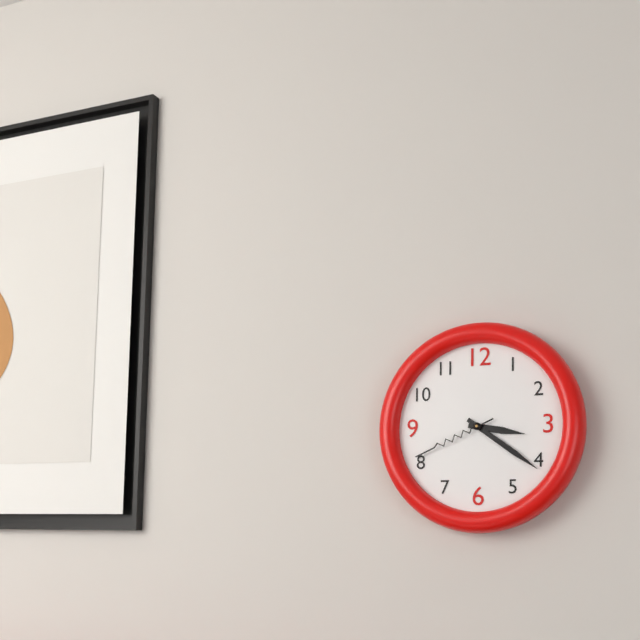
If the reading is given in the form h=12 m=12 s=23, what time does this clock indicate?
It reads h=3 m=21 s=41
